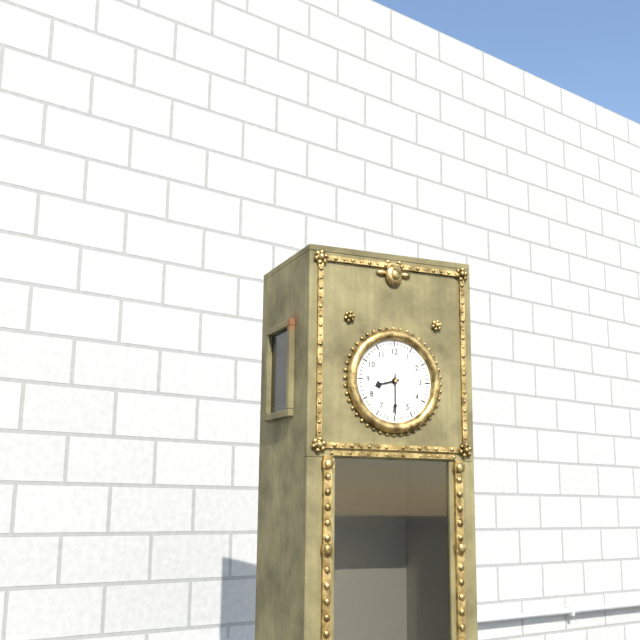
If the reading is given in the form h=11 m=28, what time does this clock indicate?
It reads h=8 m=30
